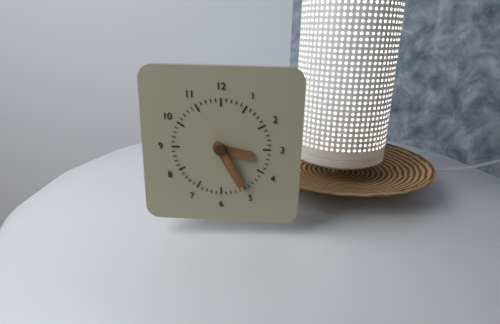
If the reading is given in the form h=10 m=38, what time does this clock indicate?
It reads h=3 m=25
